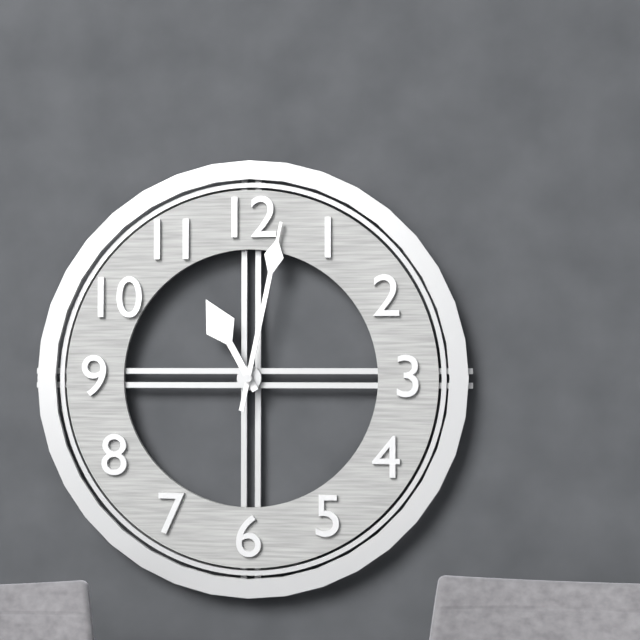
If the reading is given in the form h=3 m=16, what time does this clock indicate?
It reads h=11 m=2
